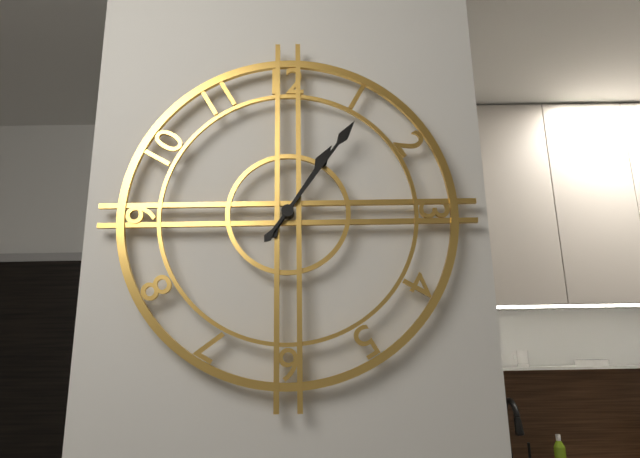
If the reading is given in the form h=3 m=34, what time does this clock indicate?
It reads h=1 m=6
